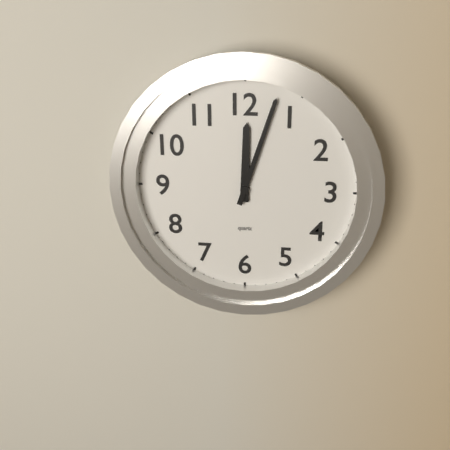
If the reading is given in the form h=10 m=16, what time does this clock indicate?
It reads h=12 m=3
